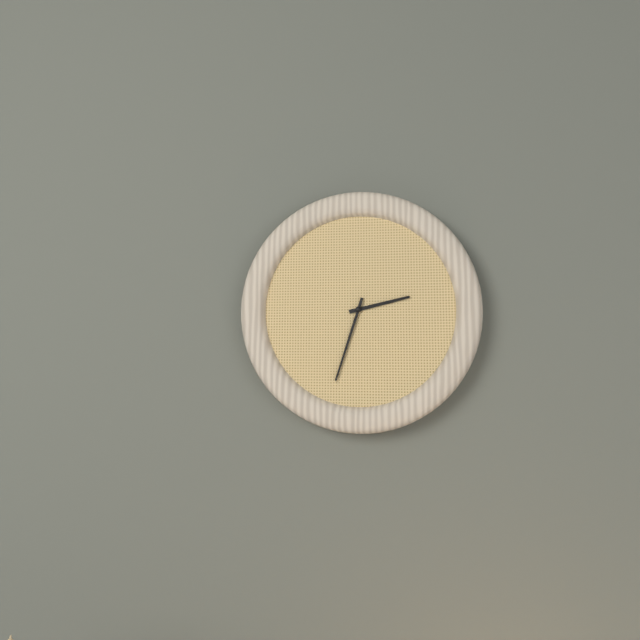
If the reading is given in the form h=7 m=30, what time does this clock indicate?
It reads h=2 m=33
